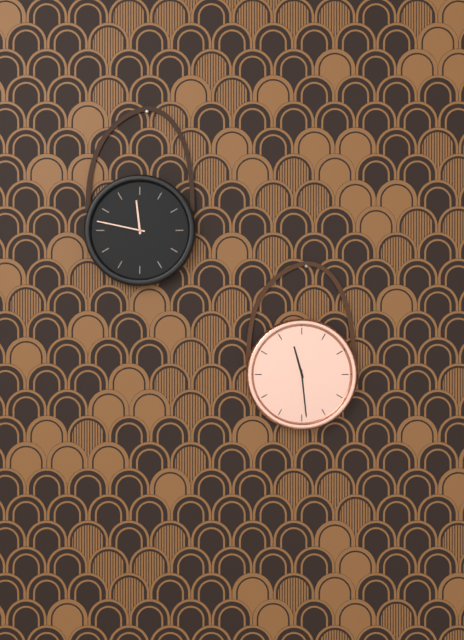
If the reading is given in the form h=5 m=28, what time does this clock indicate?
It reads h=11 m=29
